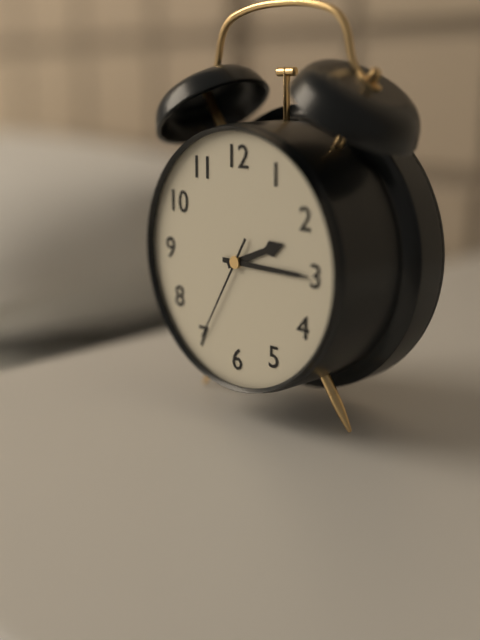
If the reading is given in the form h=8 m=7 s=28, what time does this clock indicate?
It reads h=2 m=15 s=35
